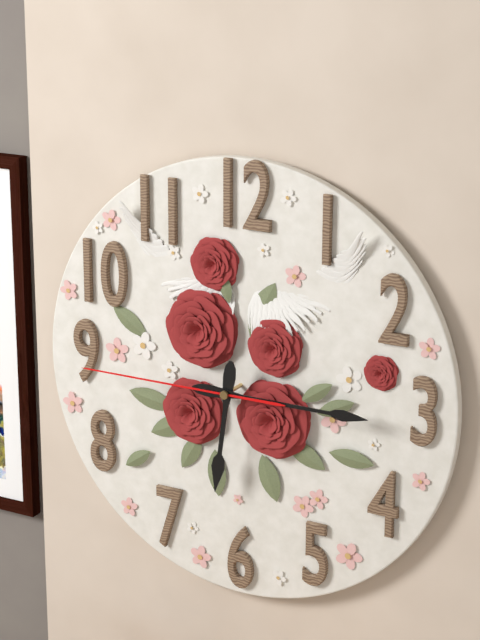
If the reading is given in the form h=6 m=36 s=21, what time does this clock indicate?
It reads h=6 m=15 s=45
